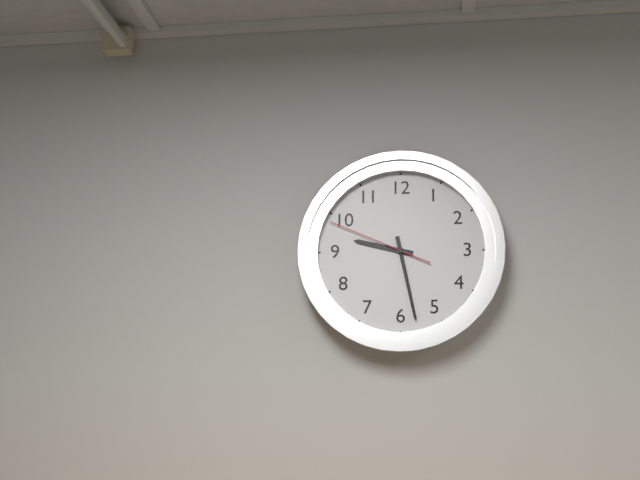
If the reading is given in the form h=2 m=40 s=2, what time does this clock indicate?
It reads h=9 m=28 s=49
